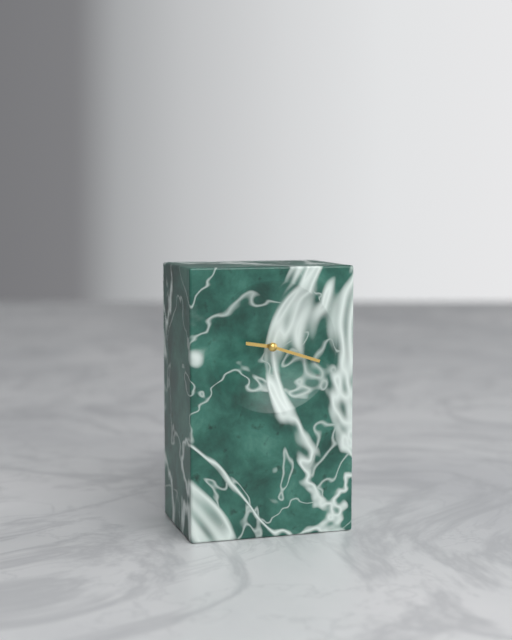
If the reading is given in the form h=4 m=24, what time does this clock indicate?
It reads h=9 m=18
